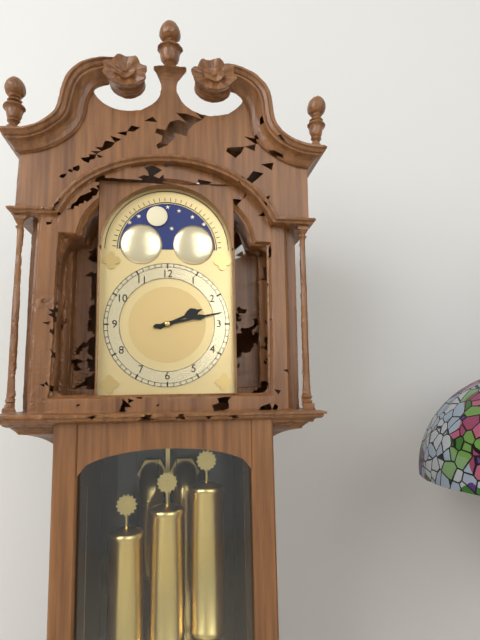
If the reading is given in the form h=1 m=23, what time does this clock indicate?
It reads h=2 m=13
